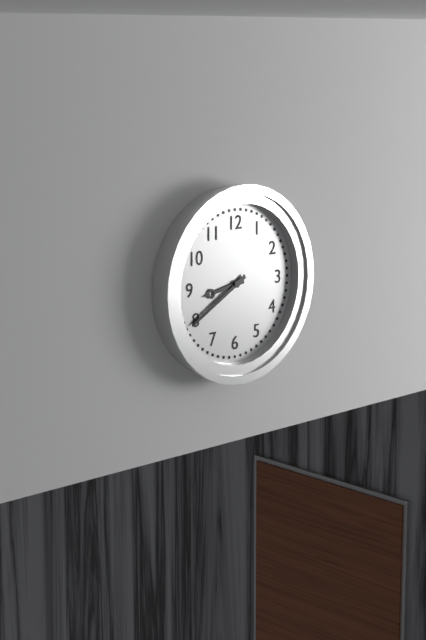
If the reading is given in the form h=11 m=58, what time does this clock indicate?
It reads h=8 m=40
